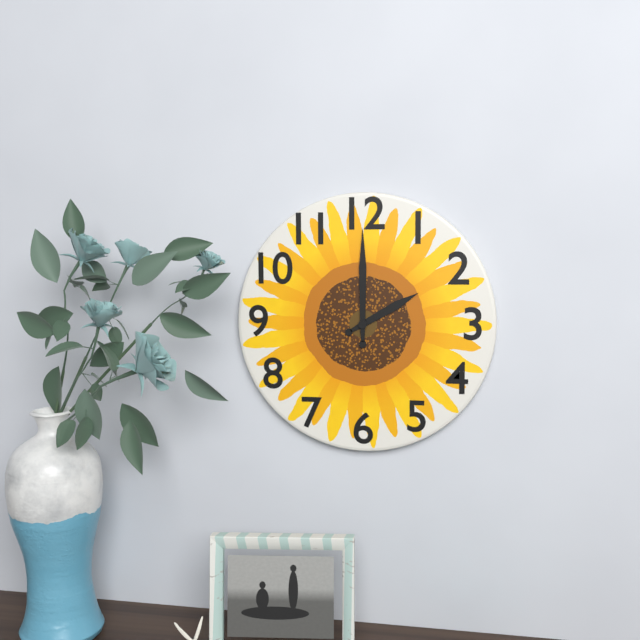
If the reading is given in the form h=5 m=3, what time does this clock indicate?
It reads h=2 m=0
